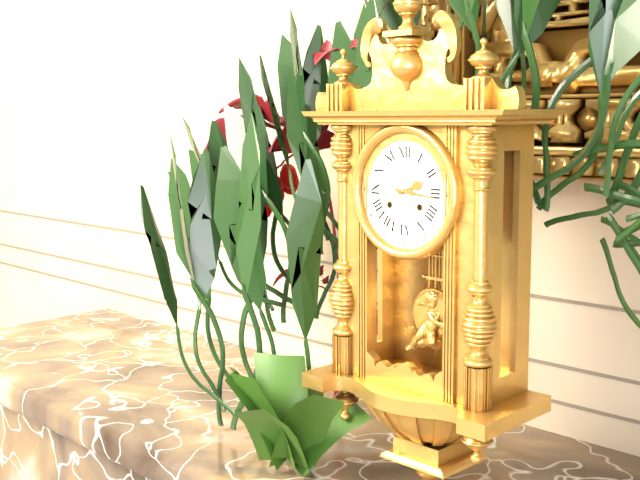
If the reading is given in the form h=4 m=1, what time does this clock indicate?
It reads h=2 m=16
